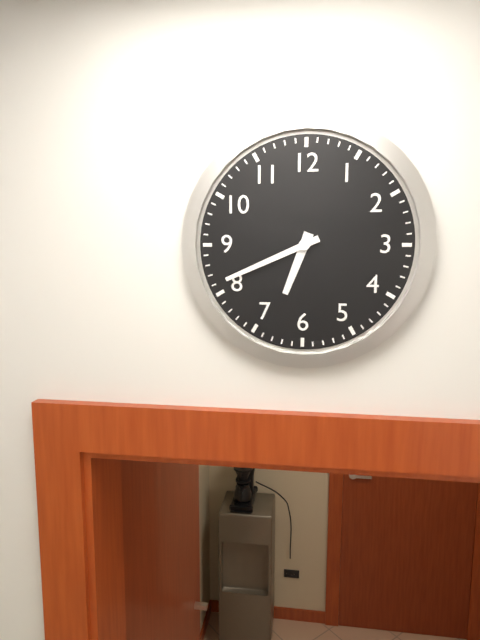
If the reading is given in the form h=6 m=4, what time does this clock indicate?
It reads h=6 m=41
